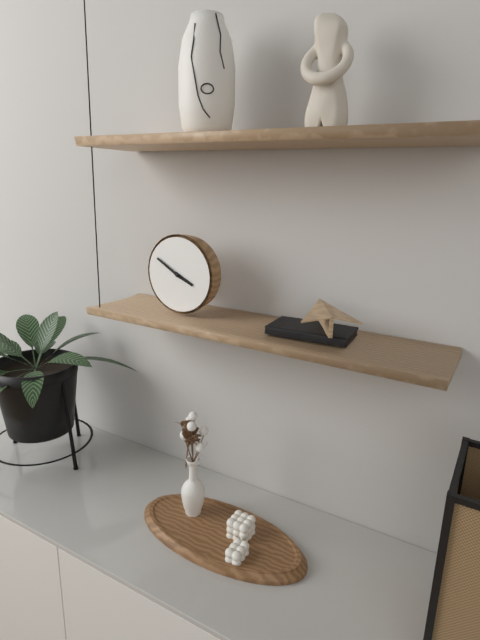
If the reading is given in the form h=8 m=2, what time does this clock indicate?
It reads h=3 m=50
